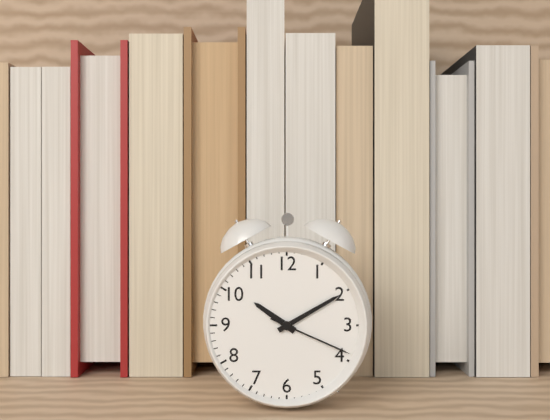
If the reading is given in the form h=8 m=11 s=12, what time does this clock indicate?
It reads h=10 m=10 s=19
